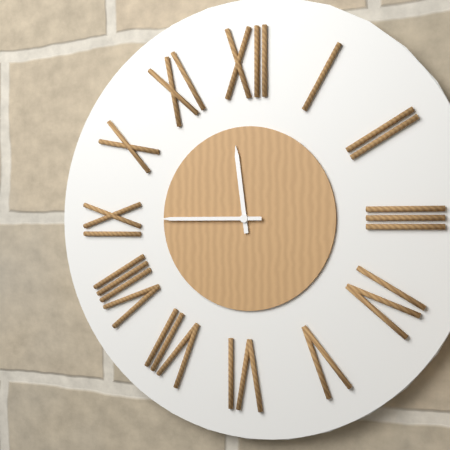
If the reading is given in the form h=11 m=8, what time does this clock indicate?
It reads h=11 m=45
